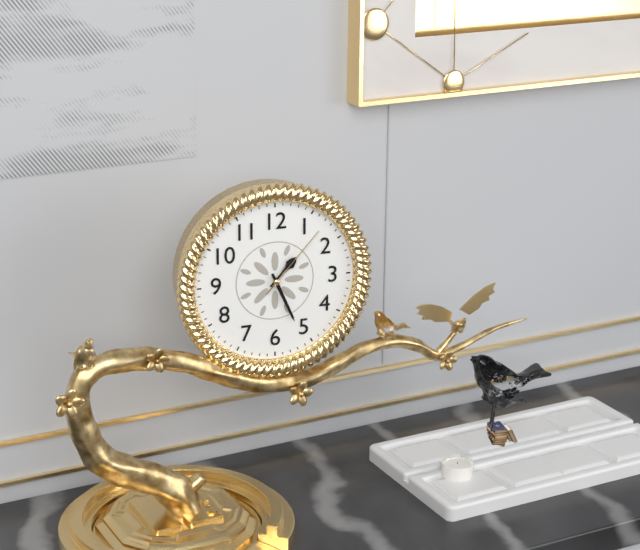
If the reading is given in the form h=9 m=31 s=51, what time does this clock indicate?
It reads h=1 m=26 s=7
